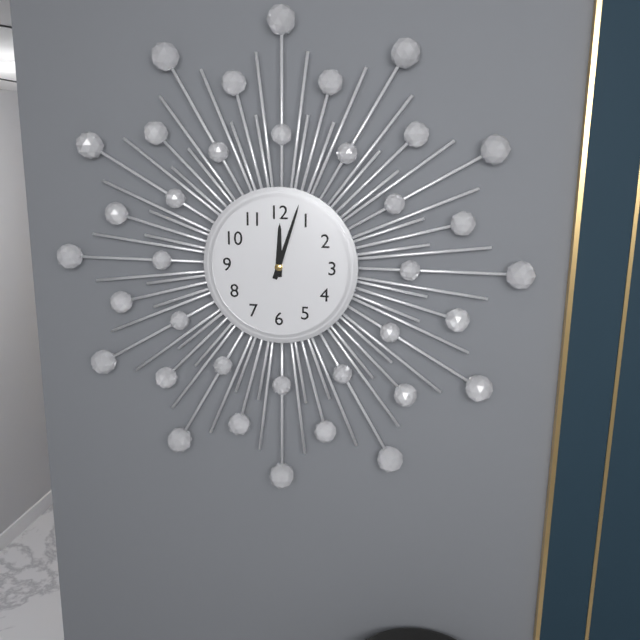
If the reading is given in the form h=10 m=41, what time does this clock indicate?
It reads h=12 m=3
